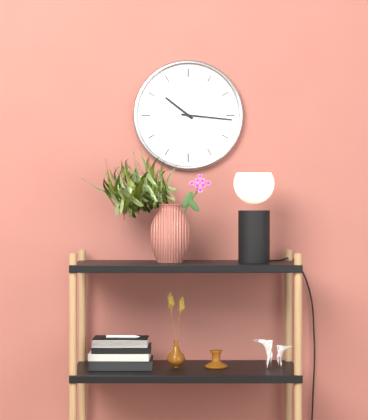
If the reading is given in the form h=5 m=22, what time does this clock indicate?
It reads h=10 m=16
